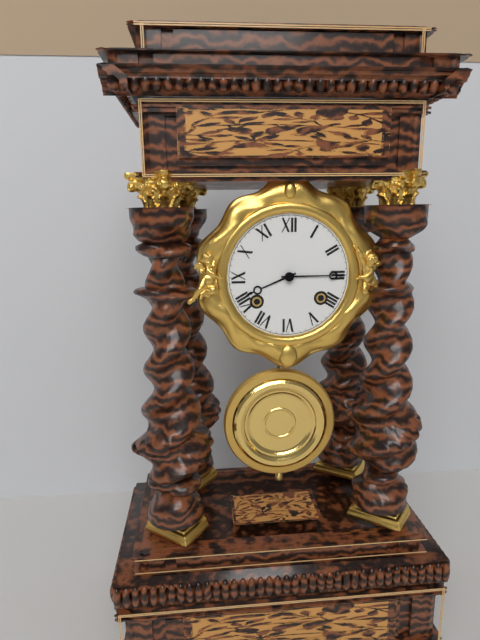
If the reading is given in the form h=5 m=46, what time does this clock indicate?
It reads h=8 m=15
